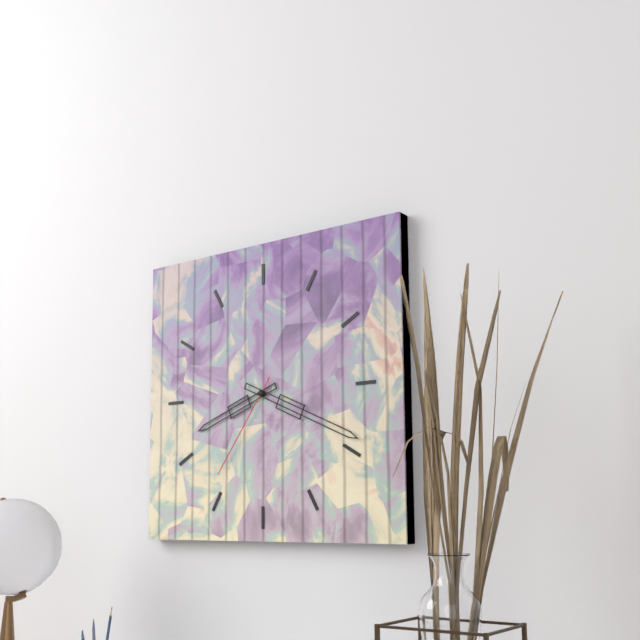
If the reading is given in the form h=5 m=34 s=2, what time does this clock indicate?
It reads h=8 m=19 s=36
